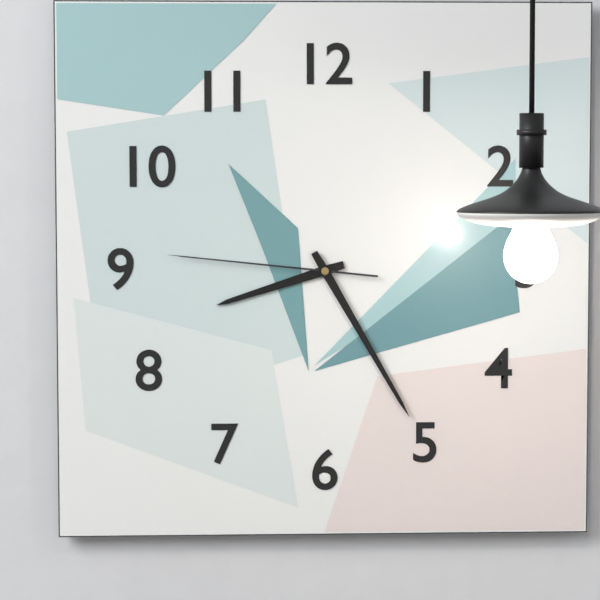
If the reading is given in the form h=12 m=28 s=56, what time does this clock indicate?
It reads h=8 m=25 s=46
